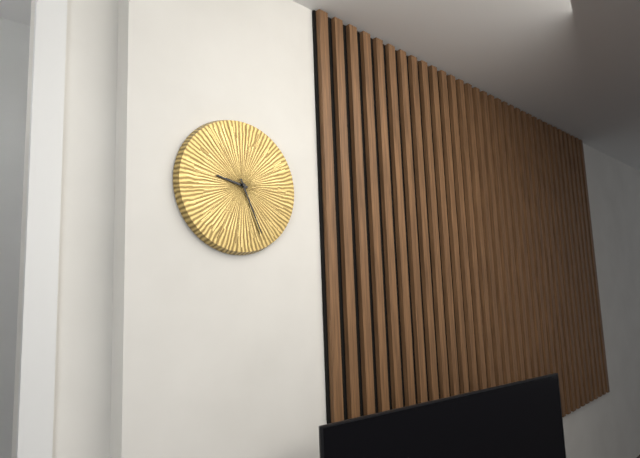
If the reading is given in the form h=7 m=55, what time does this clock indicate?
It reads h=9 m=26
